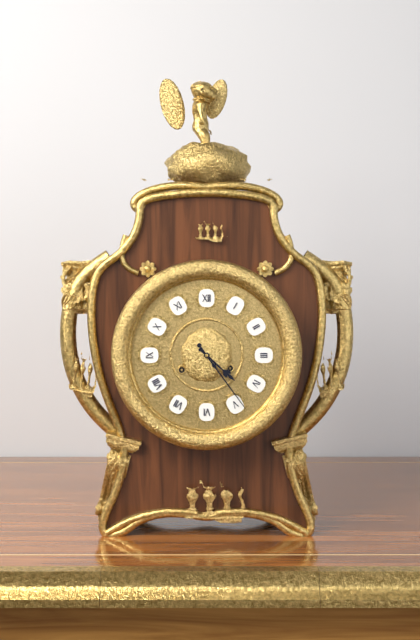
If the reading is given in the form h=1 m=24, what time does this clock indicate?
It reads h=4 m=24
